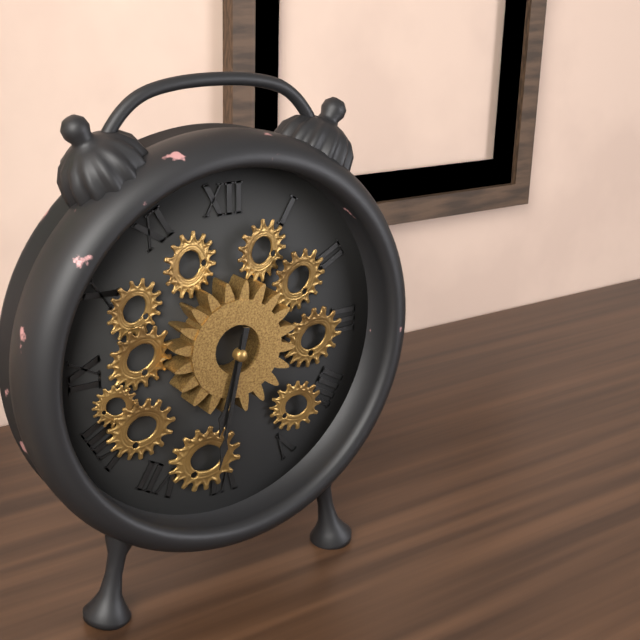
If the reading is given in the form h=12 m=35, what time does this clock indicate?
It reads h=6 m=32
